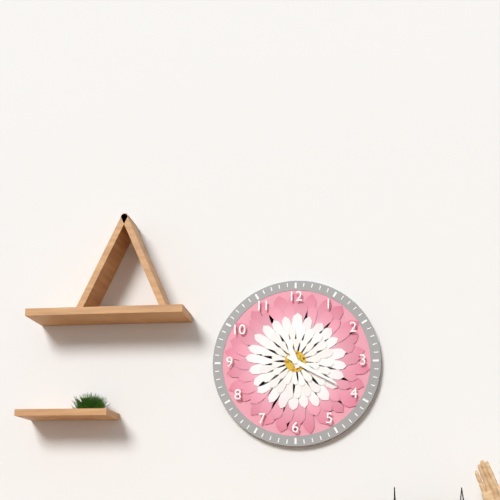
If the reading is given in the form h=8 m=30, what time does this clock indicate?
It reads h=11 m=20
